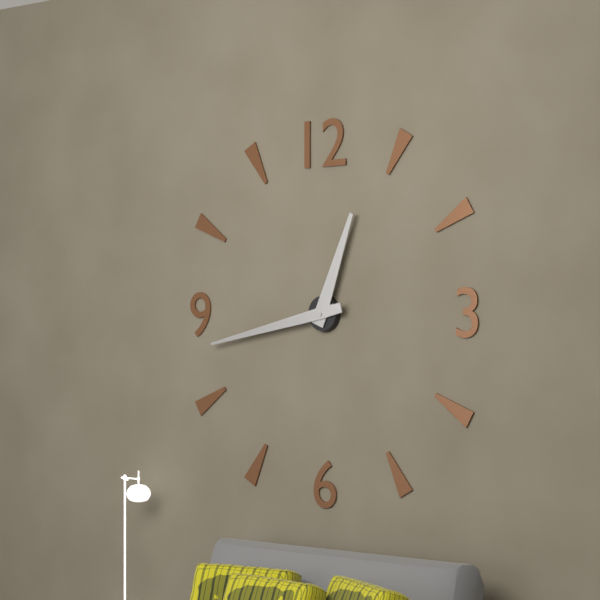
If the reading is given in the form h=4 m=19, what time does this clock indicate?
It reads h=12 m=43
